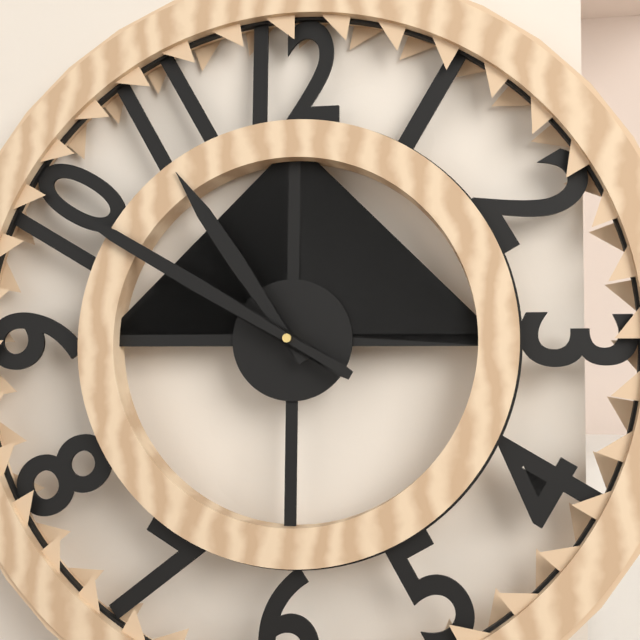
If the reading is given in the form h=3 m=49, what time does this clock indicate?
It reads h=10 m=50
